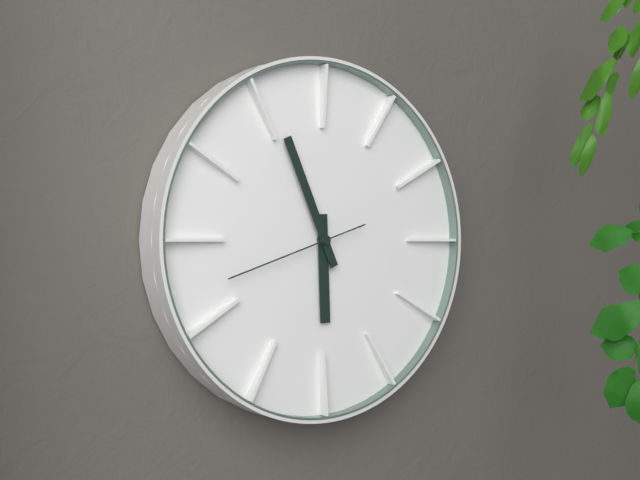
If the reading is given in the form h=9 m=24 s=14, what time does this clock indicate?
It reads h=5 m=56 s=42
